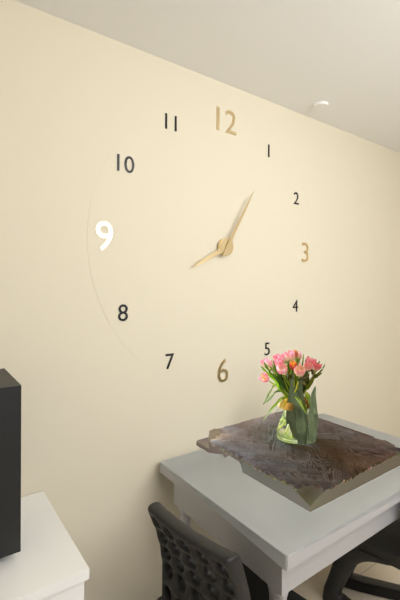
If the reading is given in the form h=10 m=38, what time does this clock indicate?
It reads h=8 m=5
